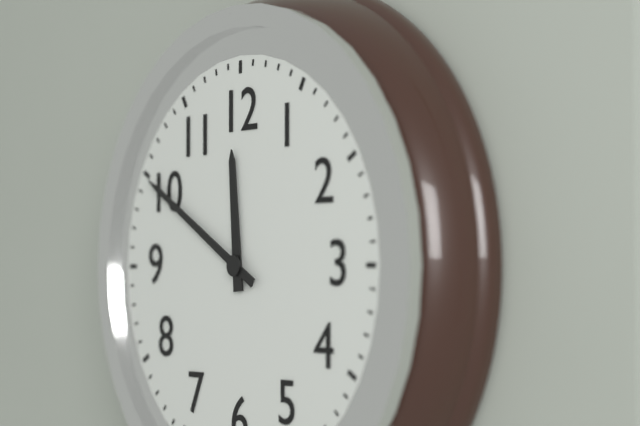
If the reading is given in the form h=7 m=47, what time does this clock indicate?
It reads h=11 m=50
